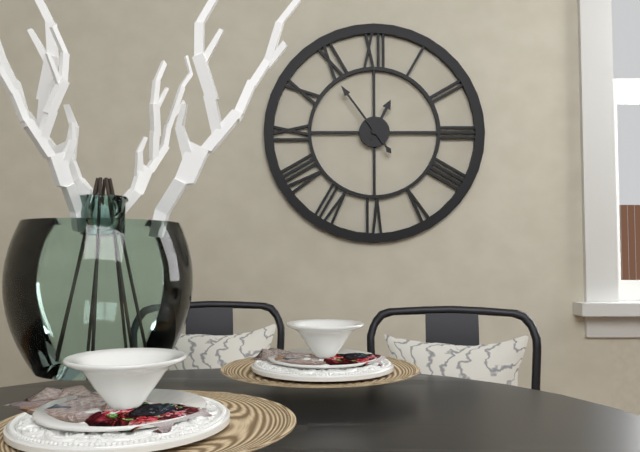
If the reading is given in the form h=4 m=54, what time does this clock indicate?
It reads h=12 m=54
